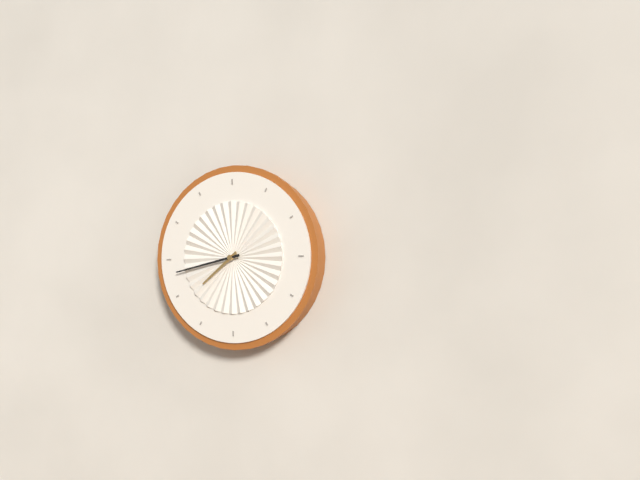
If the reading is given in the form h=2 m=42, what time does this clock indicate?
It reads h=7 m=43
